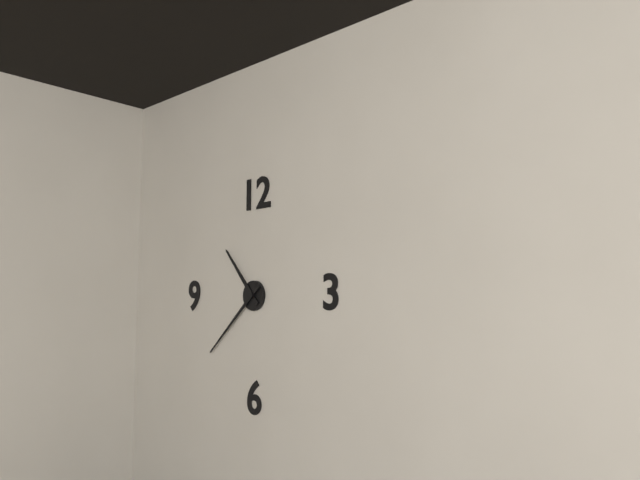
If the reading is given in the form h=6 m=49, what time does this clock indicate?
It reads h=10 m=38
